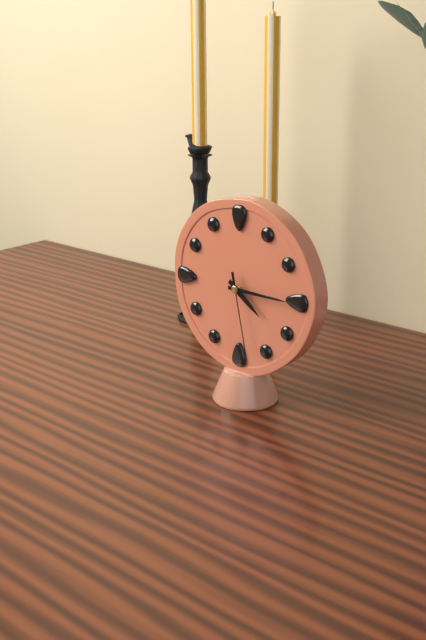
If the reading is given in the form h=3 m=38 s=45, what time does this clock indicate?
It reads h=4 m=15 s=28
